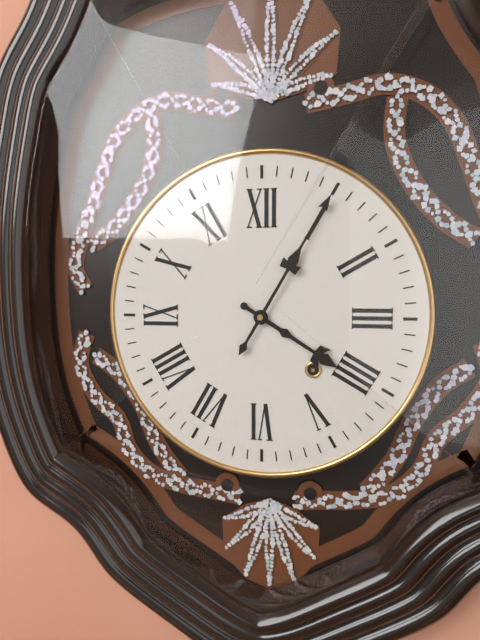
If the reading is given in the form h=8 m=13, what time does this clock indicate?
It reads h=4 m=5
